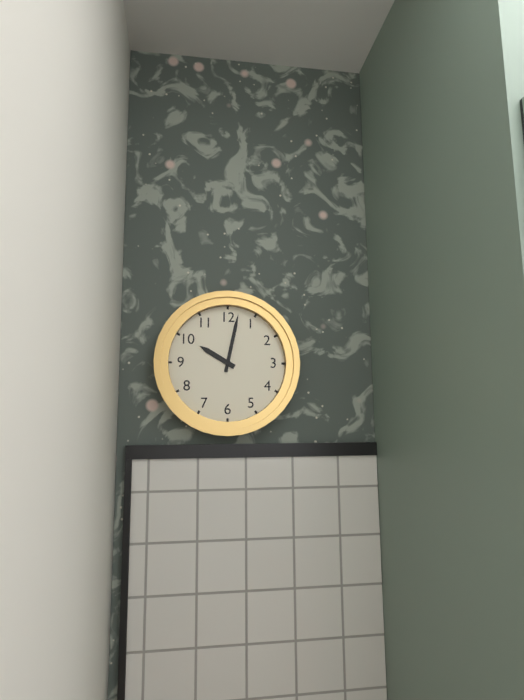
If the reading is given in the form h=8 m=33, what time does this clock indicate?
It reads h=10 m=2
